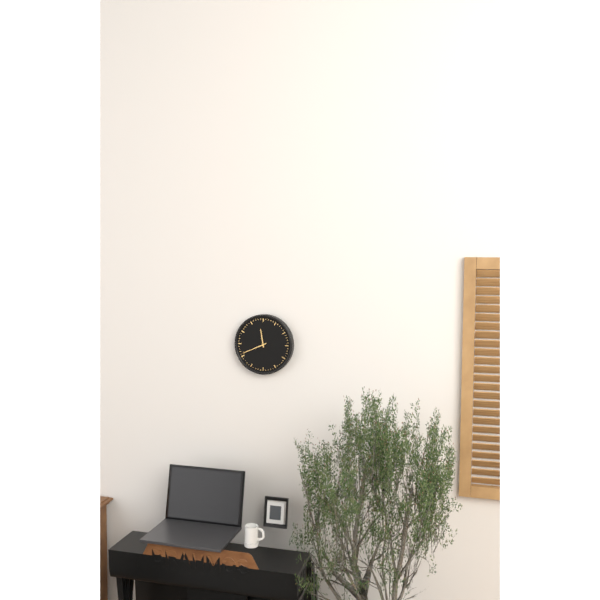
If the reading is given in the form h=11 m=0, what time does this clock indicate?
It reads h=11 m=41
